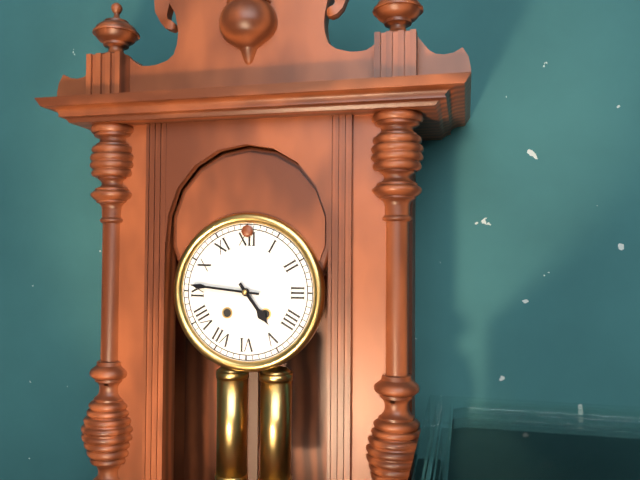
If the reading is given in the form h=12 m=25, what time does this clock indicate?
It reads h=4 m=46
